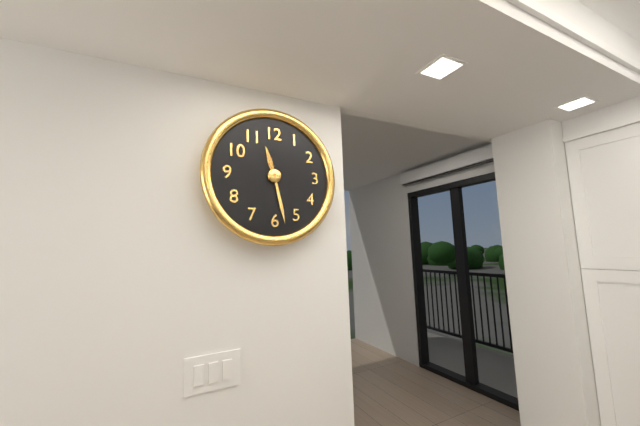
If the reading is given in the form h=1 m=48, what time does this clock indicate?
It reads h=11 m=28
